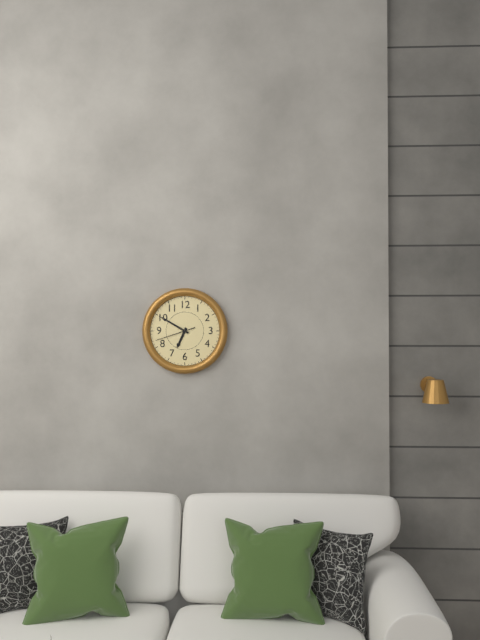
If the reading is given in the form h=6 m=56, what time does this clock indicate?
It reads h=6 m=50
